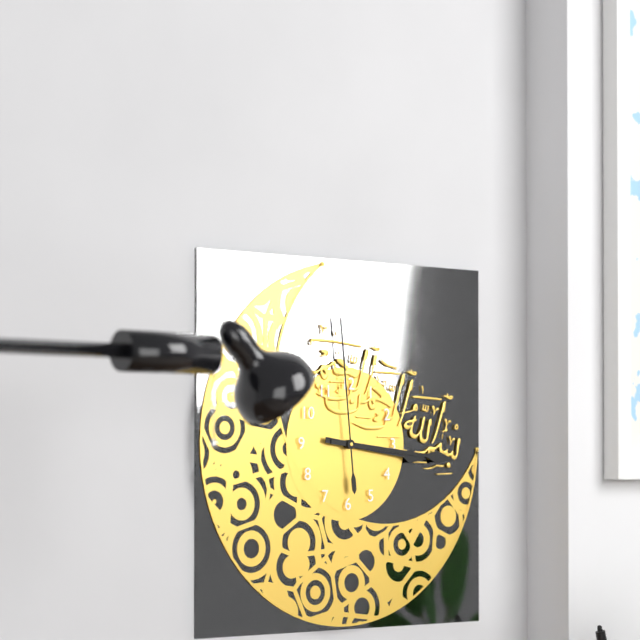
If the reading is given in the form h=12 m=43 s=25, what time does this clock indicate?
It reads h=3 m=16 s=59
